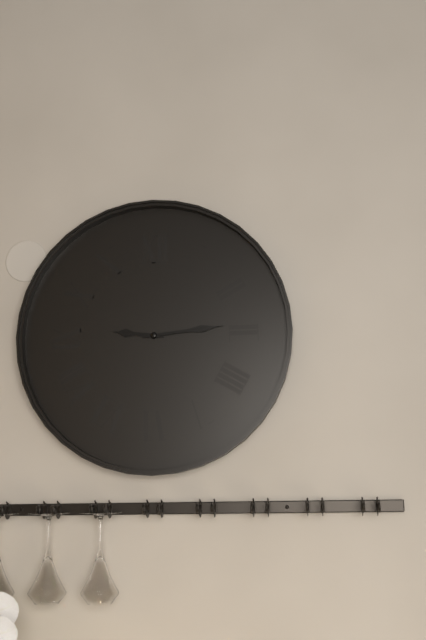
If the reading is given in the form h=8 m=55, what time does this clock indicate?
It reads h=9 m=14
